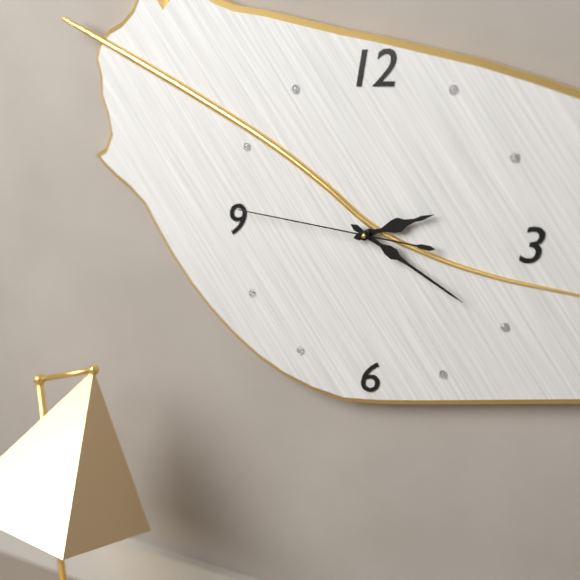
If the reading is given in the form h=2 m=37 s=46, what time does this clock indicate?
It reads h=2 m=20 s=46
